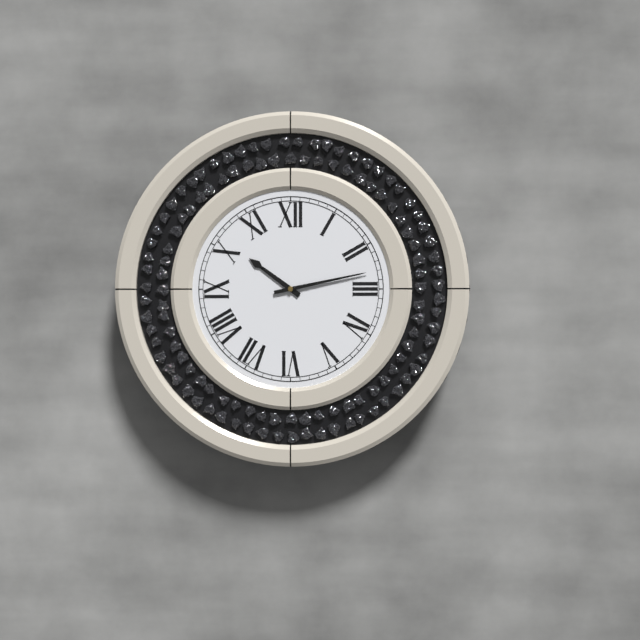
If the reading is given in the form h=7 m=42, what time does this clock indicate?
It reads h=10 m=13
